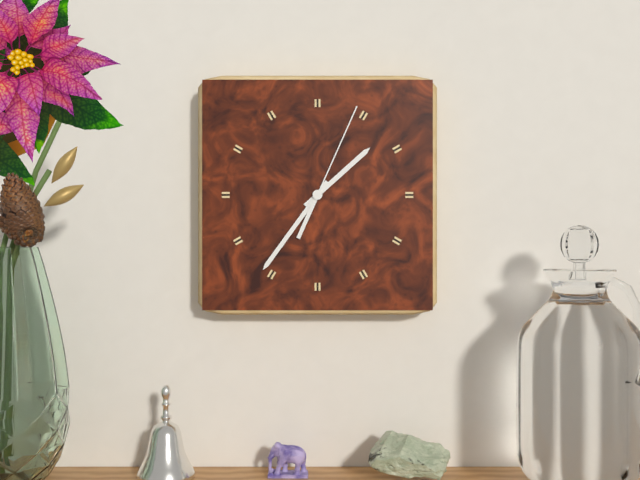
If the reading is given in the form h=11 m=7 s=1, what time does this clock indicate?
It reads h=1 m=36 s=4
